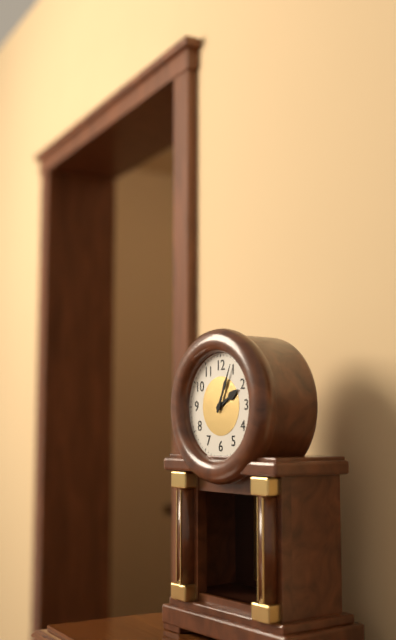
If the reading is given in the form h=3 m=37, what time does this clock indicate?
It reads h=2 m=4
